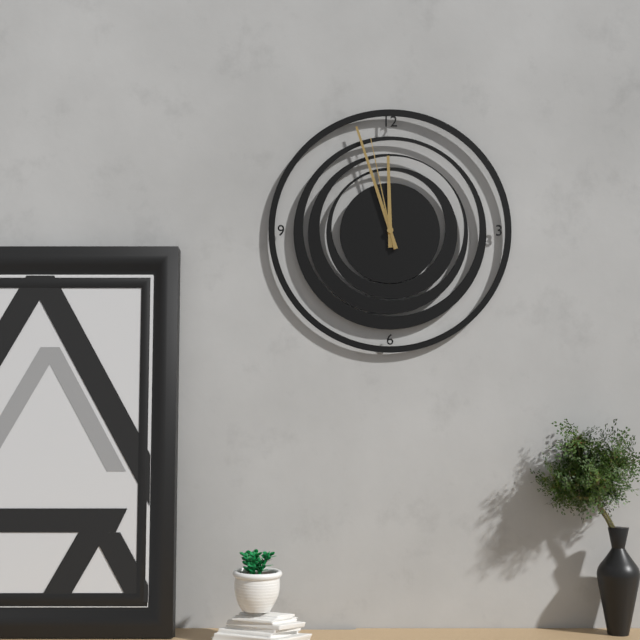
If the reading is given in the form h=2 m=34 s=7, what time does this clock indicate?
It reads h=11 m=57 s=58
